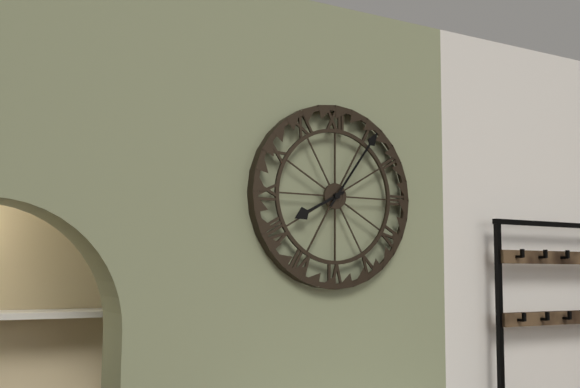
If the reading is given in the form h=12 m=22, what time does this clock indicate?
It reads h=8 m=6
